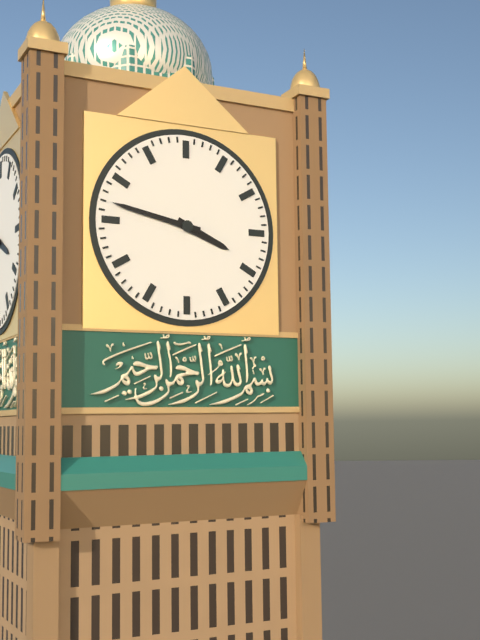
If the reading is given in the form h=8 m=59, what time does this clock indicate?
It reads h=3 m=47
